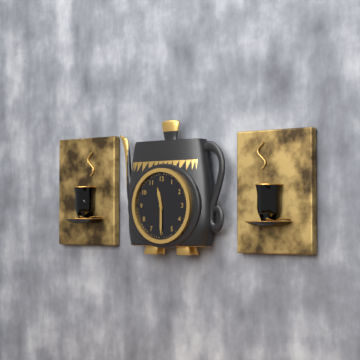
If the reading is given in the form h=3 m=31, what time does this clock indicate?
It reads h=11 m=30
